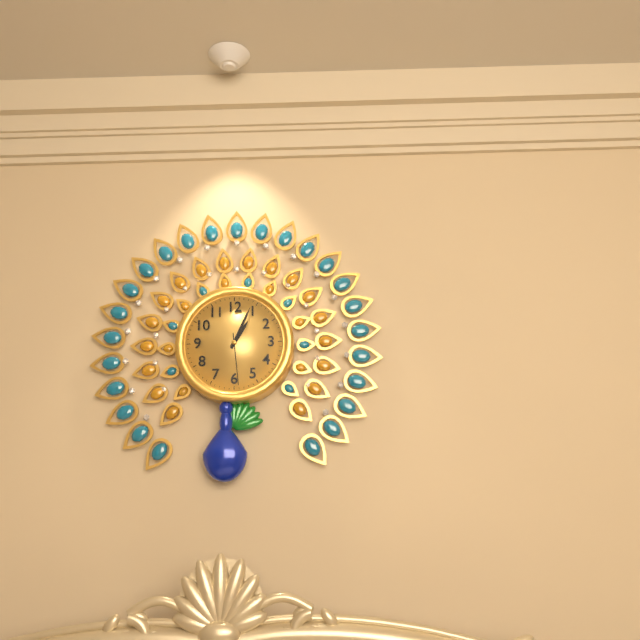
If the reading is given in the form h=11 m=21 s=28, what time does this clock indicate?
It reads h=1 m=4 s=29
